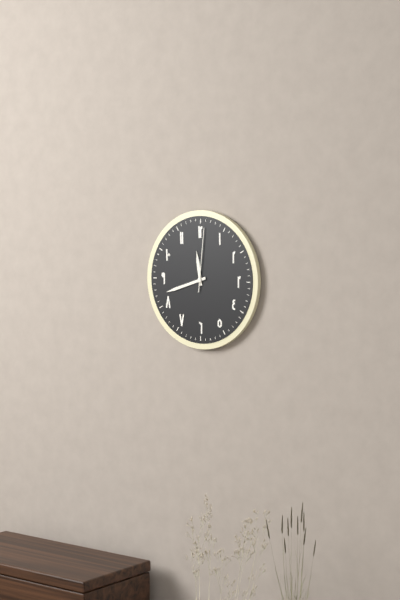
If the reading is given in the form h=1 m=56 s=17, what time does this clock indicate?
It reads h=11 m=42 s=1
